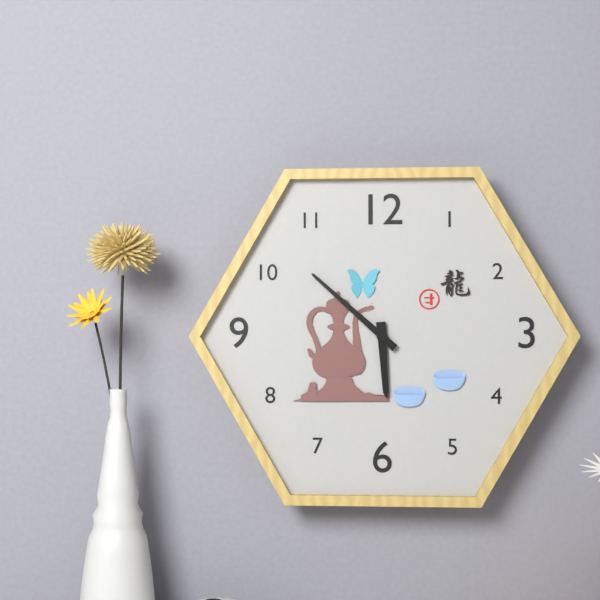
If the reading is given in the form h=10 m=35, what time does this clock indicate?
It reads h=5 m=52
